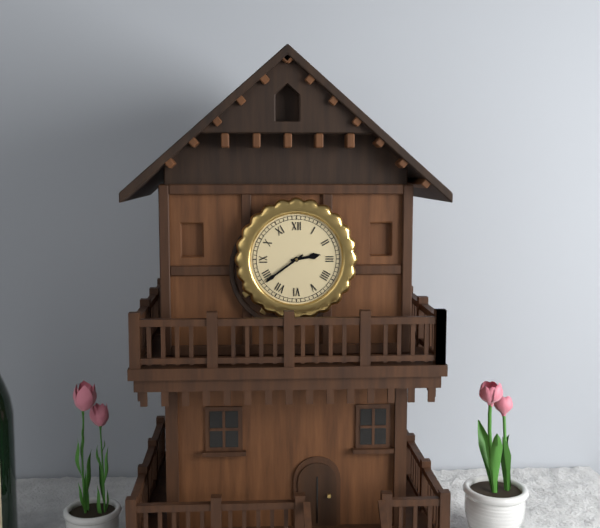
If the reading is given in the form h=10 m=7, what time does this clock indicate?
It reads h=2 m=39
